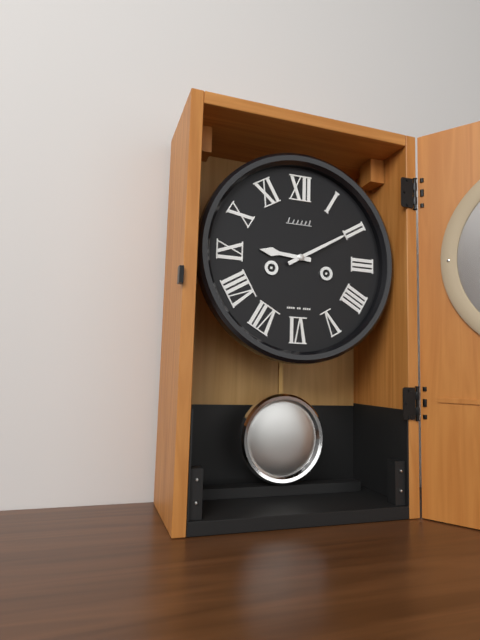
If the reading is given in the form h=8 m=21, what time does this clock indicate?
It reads h=9 m=10
